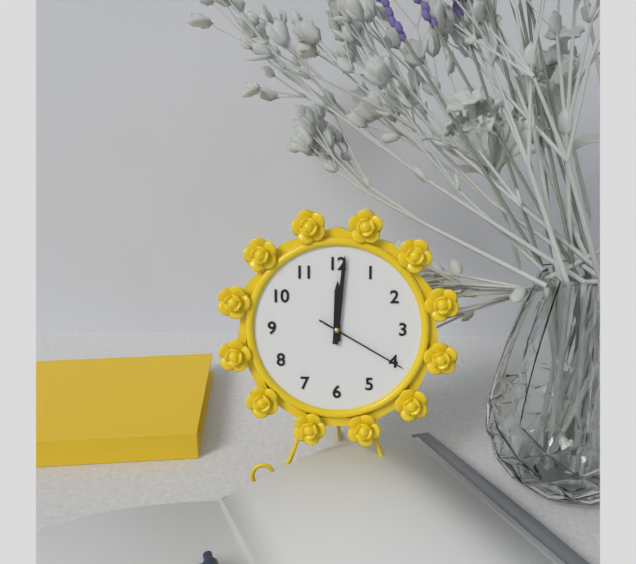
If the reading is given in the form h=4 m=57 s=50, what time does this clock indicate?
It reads h=12 m=1 s=20
